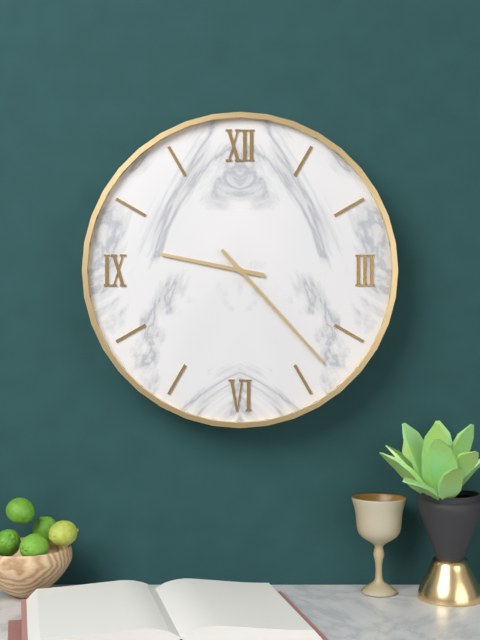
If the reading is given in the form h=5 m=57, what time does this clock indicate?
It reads h=9 m=23
